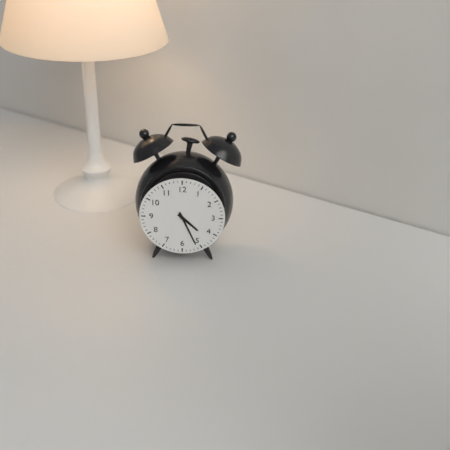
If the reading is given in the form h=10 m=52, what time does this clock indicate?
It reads h=4 m=26
